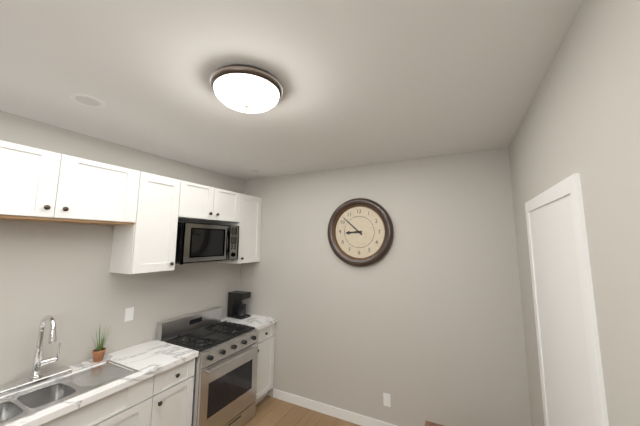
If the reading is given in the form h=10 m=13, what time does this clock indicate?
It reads h=8 m=52
